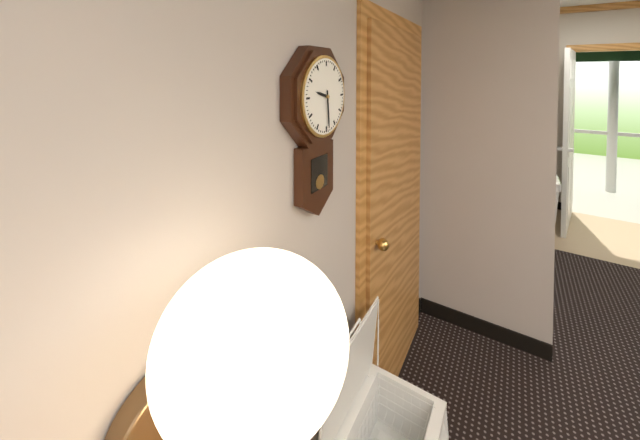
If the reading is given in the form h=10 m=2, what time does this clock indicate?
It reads h=9 m=29
